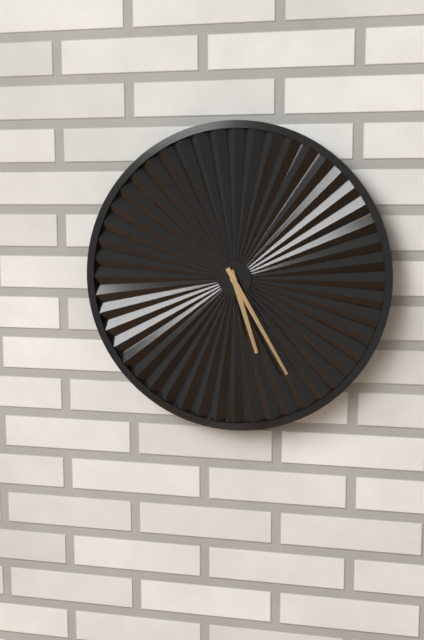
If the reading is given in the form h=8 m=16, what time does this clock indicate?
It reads h=5 m=25
